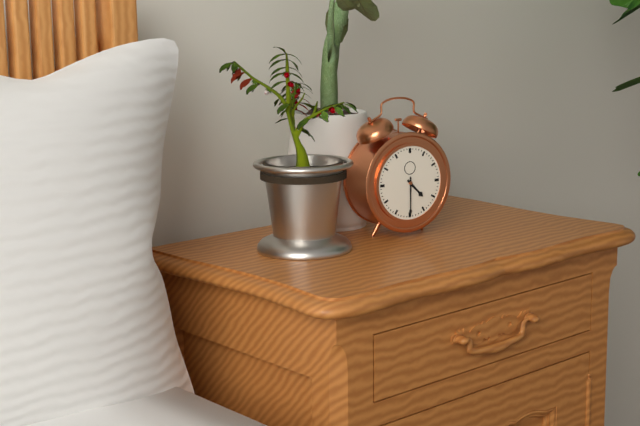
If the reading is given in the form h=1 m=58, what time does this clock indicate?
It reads h=4 m=30
